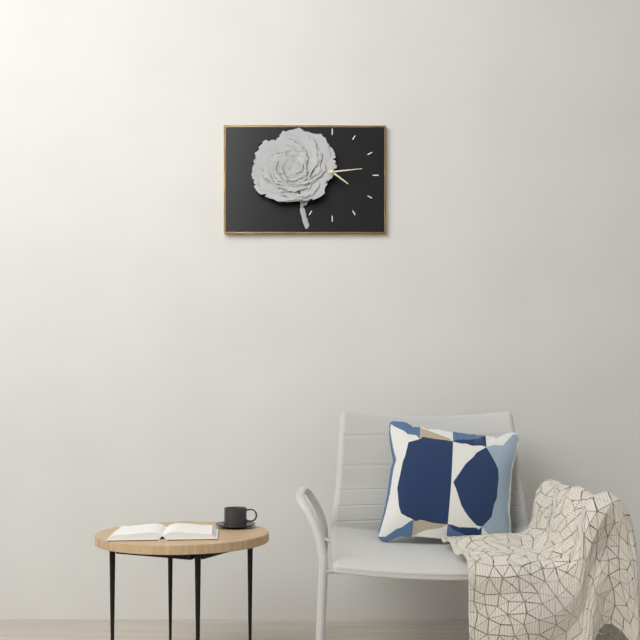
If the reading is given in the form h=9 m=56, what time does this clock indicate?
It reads h=4 m=14
